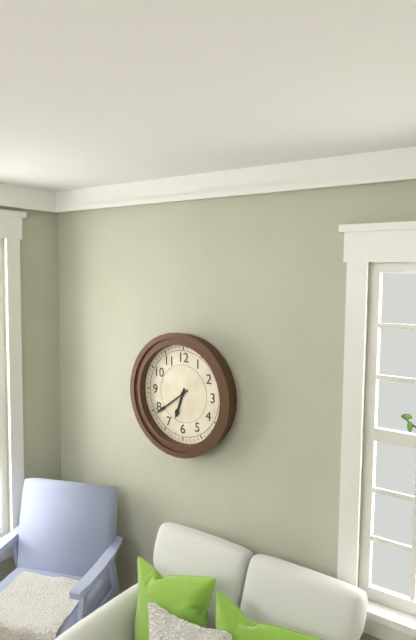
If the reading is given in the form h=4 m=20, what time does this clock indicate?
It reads h=6 m=39
